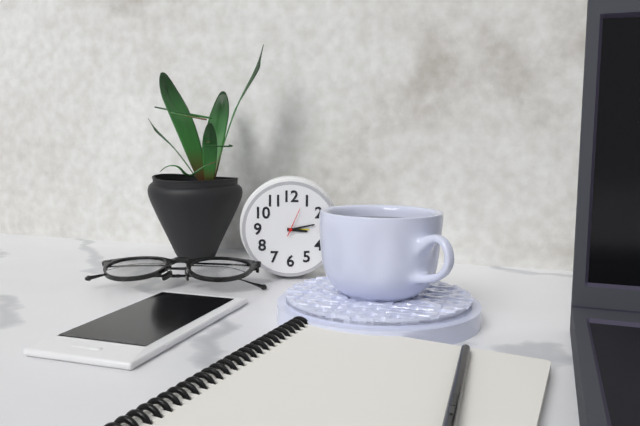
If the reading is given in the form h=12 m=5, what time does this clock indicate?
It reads h=3 m=13
